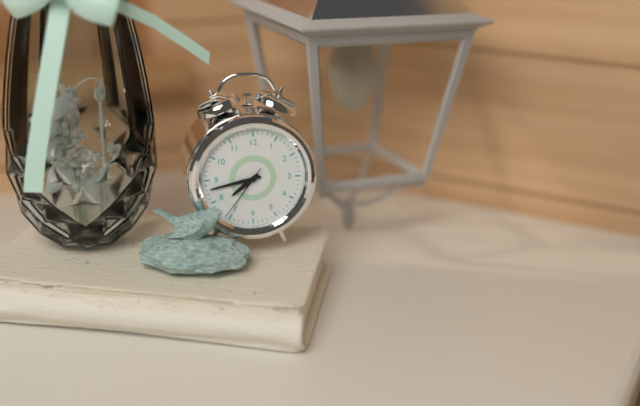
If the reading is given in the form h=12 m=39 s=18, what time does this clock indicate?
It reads h=7 m=43 s=36
